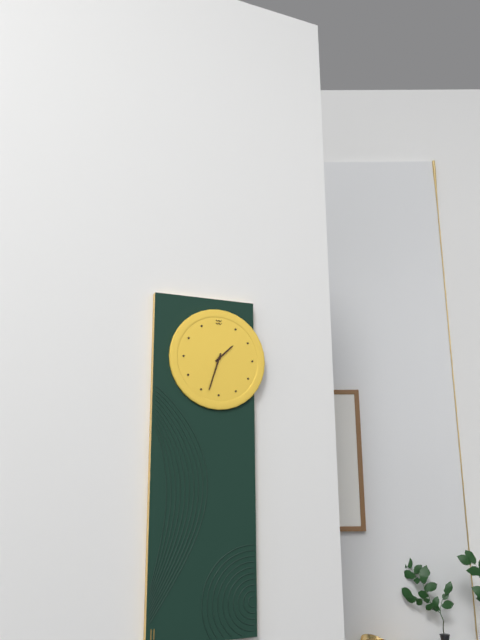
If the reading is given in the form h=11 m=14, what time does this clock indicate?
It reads h=1 m=33
